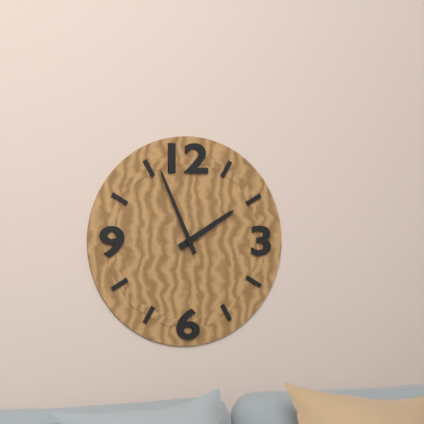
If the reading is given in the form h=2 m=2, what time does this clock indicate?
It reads h=1 m=56
